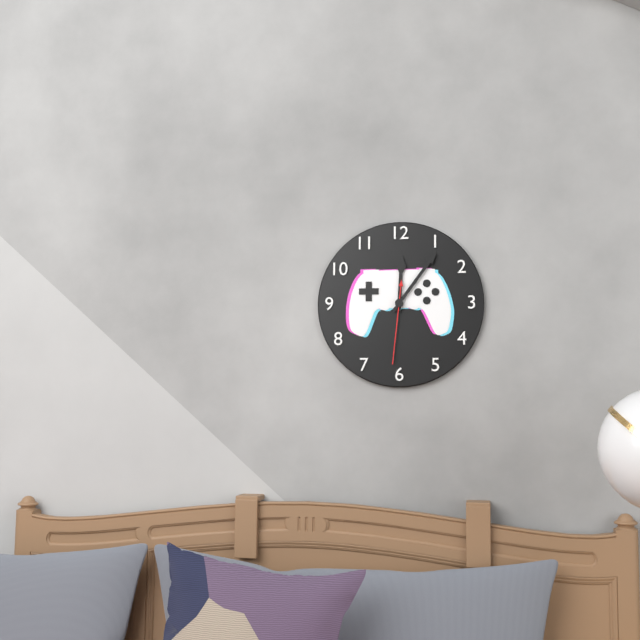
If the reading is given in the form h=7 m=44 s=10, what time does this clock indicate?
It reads h=12 m=6 s=31
